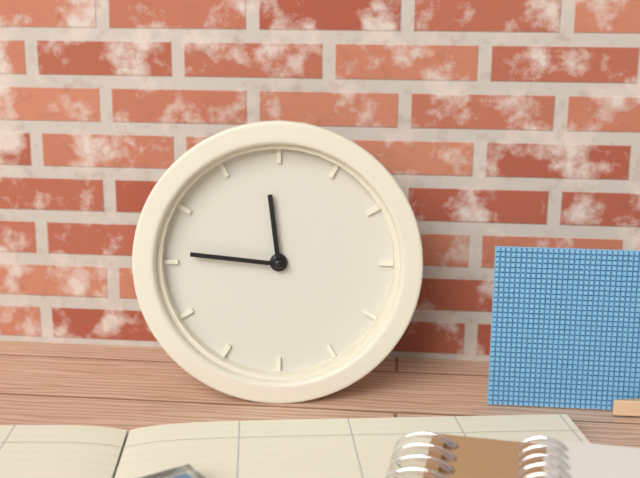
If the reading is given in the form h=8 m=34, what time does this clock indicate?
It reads h=11 m=46
